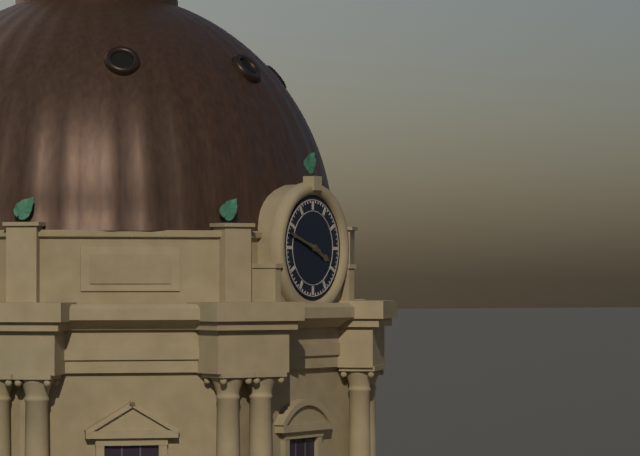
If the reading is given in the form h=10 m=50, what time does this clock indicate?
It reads h=3 m=48
